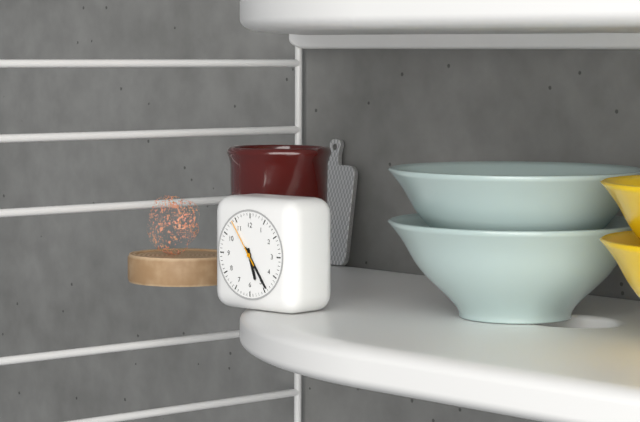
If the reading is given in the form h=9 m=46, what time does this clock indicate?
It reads h=5 m=24
